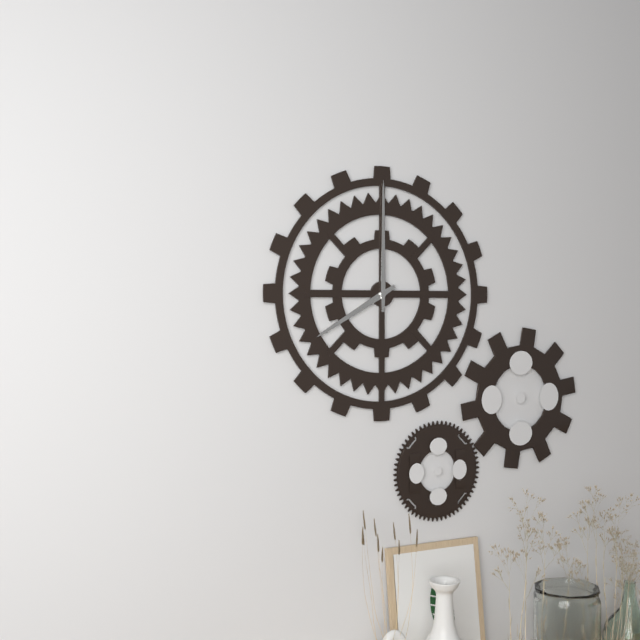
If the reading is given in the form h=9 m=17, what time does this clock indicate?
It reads h=8 m=0
